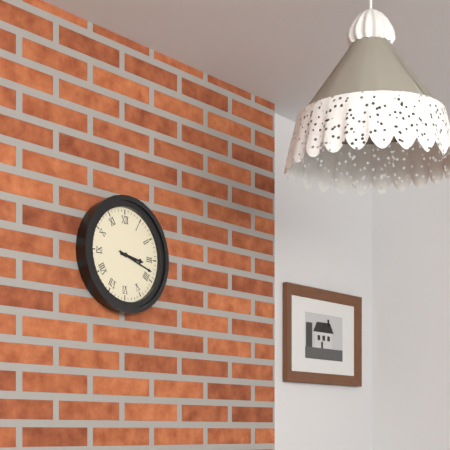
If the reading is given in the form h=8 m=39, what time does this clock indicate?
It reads h=3 m=18
